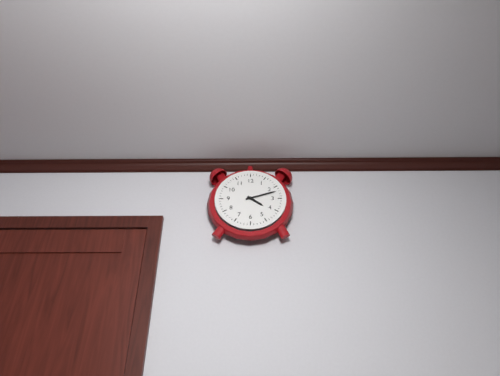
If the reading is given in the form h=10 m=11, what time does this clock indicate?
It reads h=4 m=12
